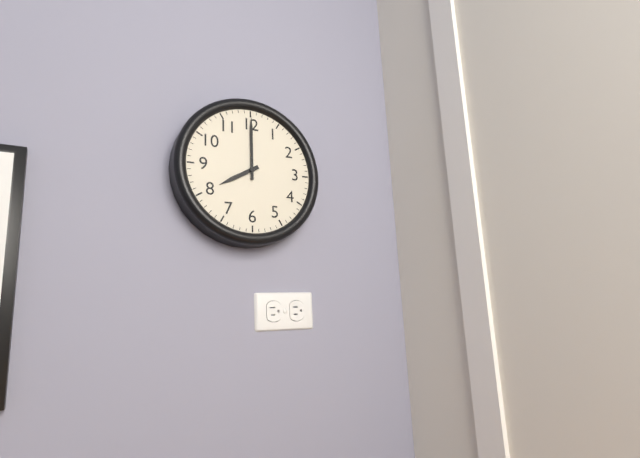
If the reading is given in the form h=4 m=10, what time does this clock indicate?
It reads h=8 m=0
